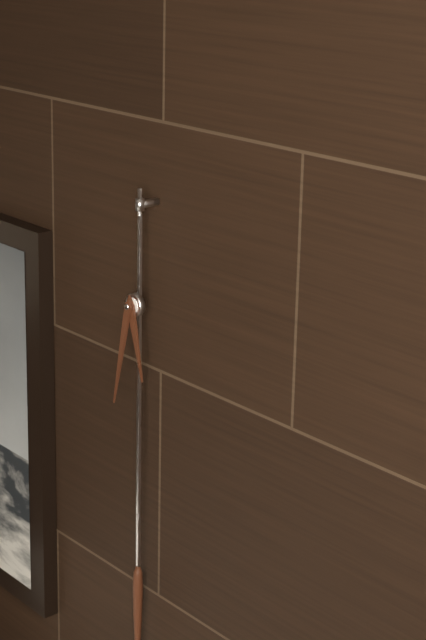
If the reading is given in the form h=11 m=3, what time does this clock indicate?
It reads h=5 m=32
